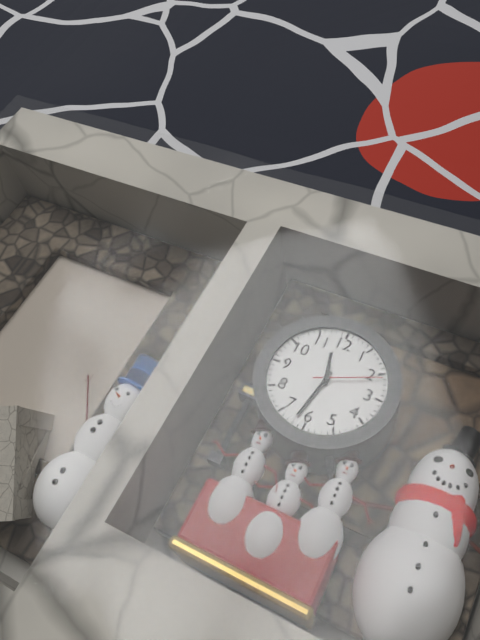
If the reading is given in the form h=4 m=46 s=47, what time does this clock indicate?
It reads h=11 m=32 s=11
